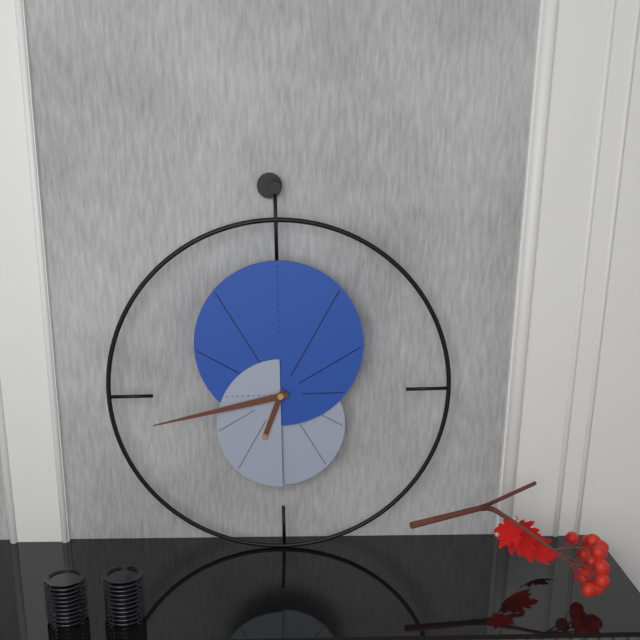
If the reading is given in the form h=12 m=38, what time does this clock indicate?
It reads h=6 m=43
